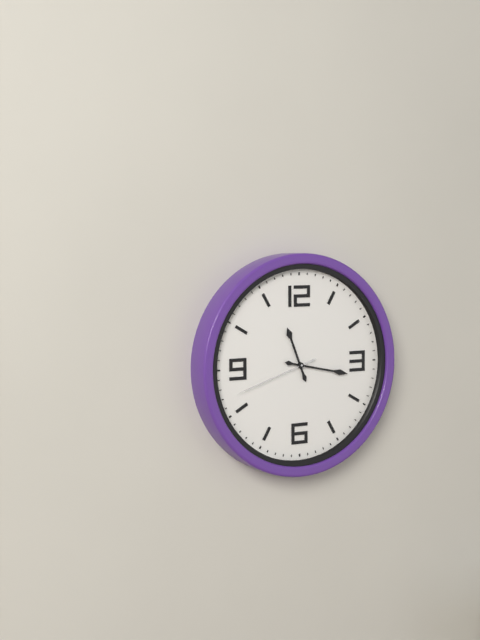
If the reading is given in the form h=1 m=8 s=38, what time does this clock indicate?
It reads h=11 m=17 s=42
